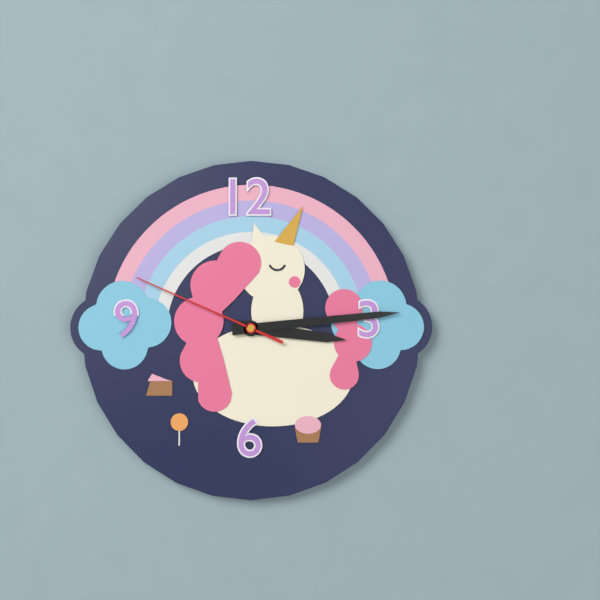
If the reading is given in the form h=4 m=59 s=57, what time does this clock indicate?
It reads h=3 m=14 s=49
